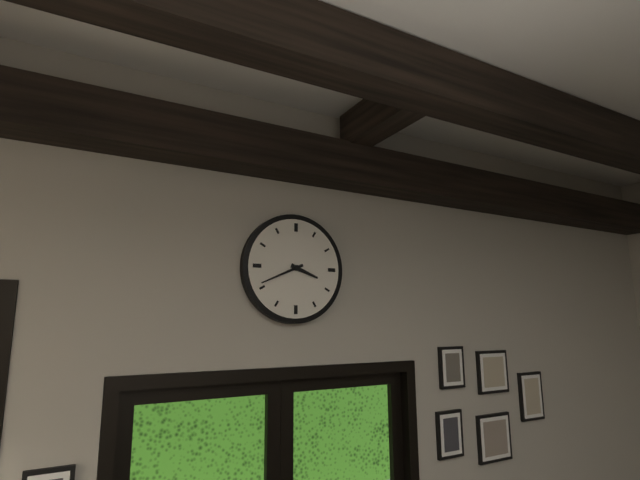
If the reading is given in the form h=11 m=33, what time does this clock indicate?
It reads h=3 m=41
